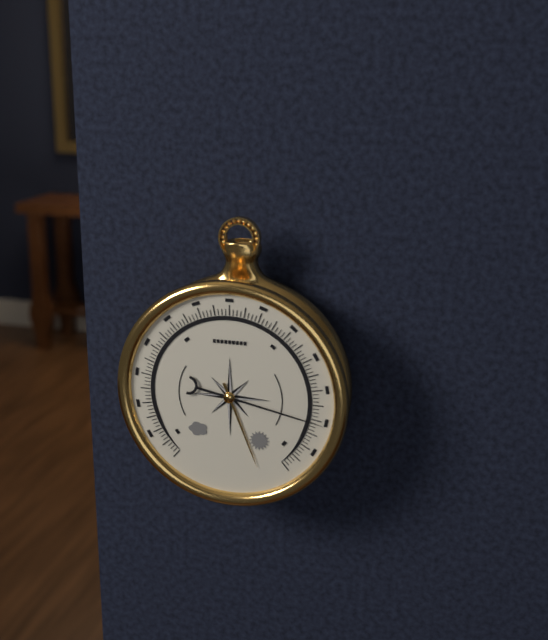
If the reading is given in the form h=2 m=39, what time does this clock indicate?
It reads h=5 m=17
